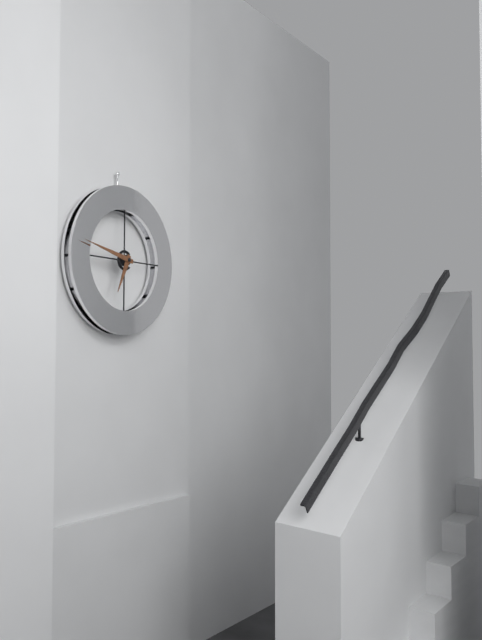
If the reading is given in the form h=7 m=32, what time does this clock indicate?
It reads h=6 m=47
